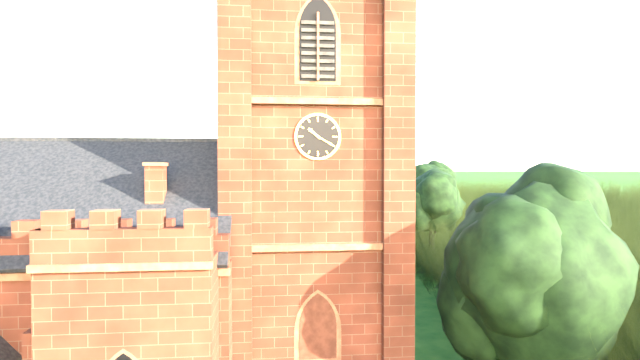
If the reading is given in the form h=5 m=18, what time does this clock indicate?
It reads h=10 m=20
